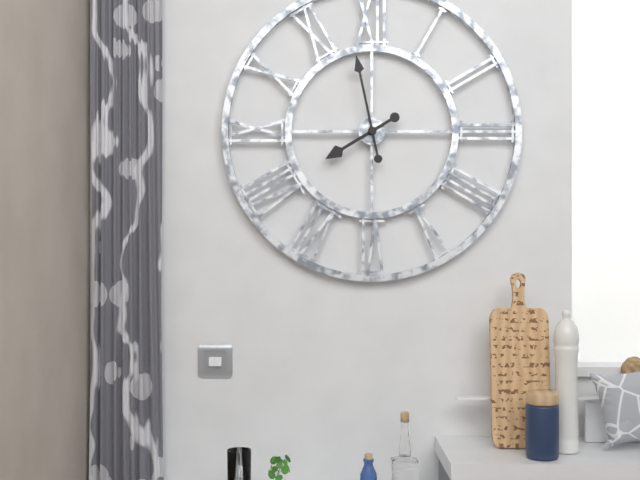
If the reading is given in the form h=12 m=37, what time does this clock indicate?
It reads h=7 m=58
